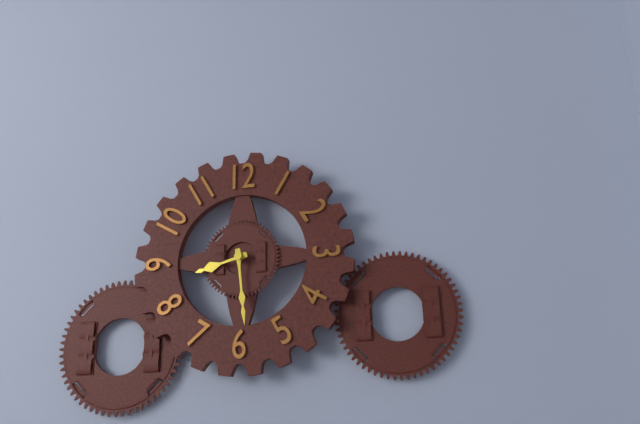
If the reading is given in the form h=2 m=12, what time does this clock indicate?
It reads h=8 m=29
